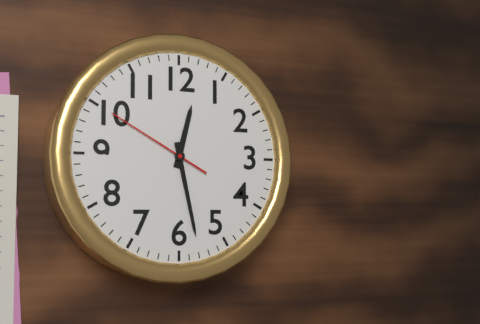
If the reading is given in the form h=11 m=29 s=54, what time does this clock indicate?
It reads h=12 m=28 s=50
